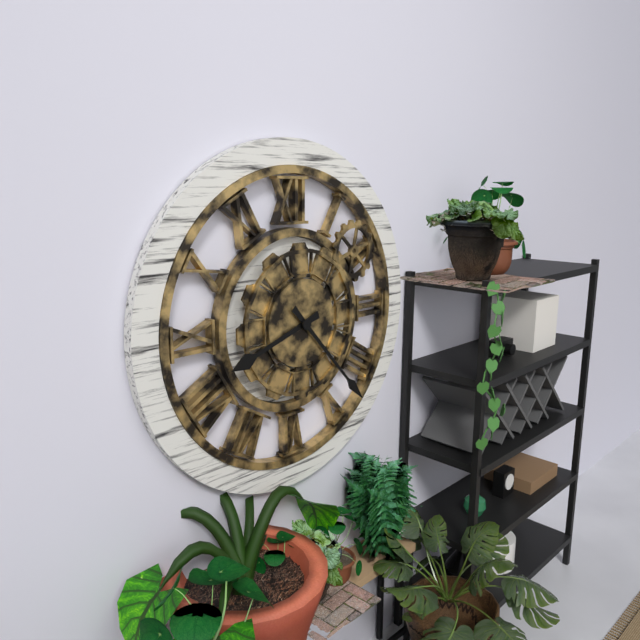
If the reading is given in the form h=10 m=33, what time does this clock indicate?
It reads h=8 m=23
